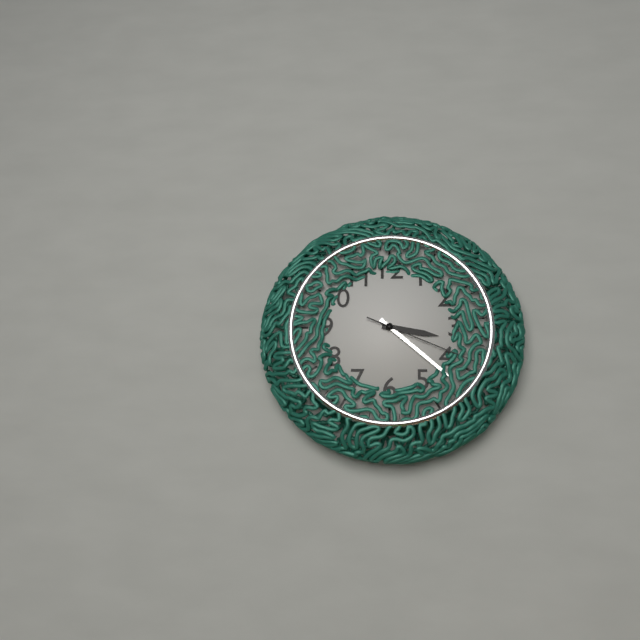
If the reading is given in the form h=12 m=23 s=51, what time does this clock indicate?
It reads h=3 m=22 s=19
